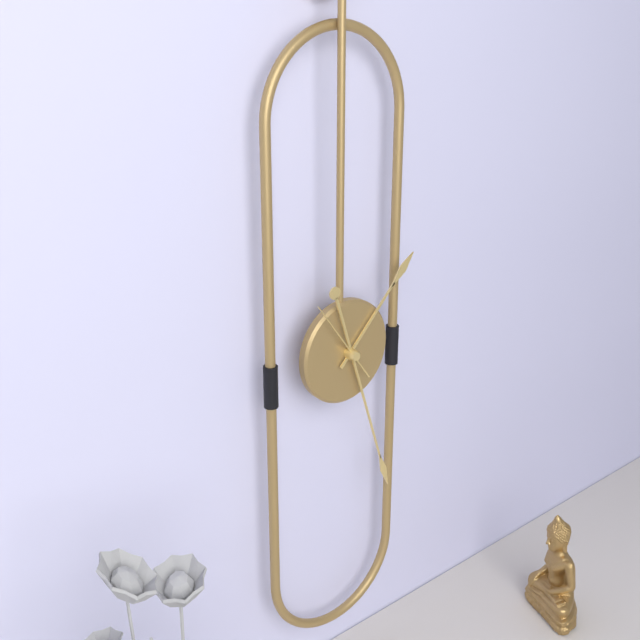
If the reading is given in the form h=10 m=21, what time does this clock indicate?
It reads h=1 m=27
